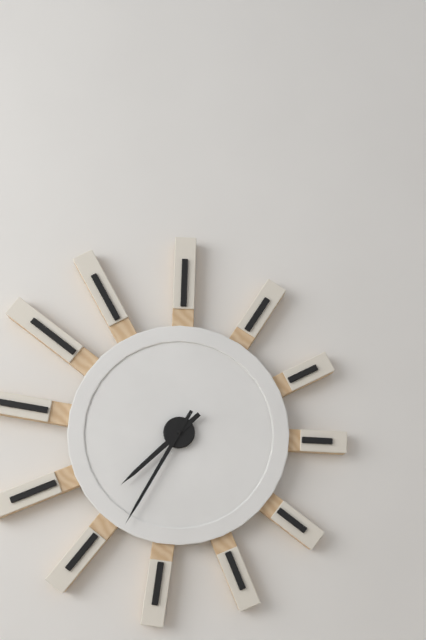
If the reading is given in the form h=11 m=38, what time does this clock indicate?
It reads h=7 m=35
